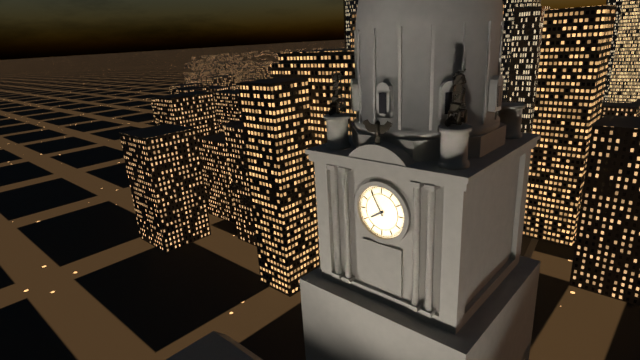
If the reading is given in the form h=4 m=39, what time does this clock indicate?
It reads h=7 m=55
